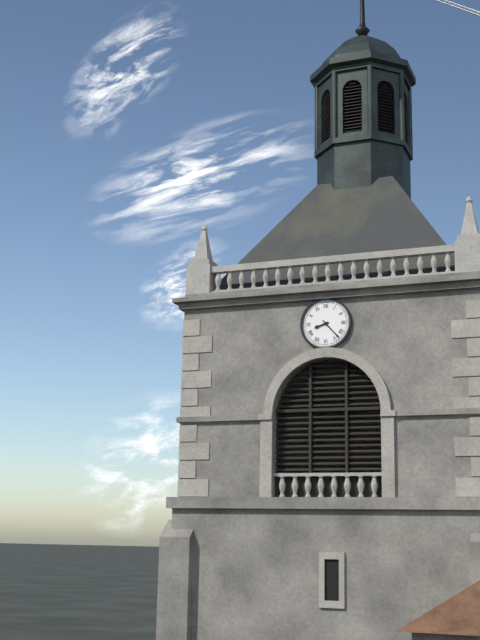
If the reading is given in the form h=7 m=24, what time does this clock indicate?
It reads h=8 m=23
